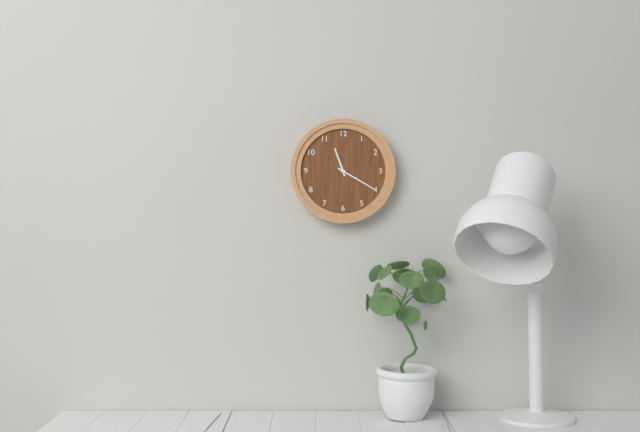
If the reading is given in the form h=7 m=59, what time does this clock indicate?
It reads h=11 m=20
